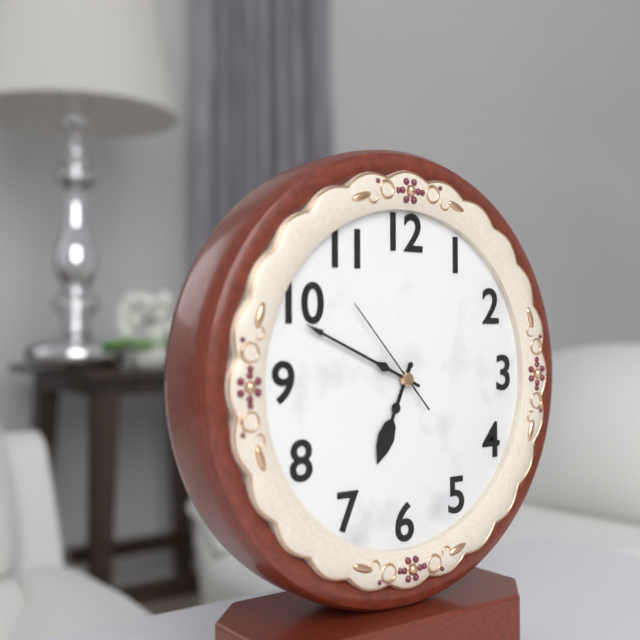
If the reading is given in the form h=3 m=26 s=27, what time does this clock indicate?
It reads h=6 m=49 s=53
